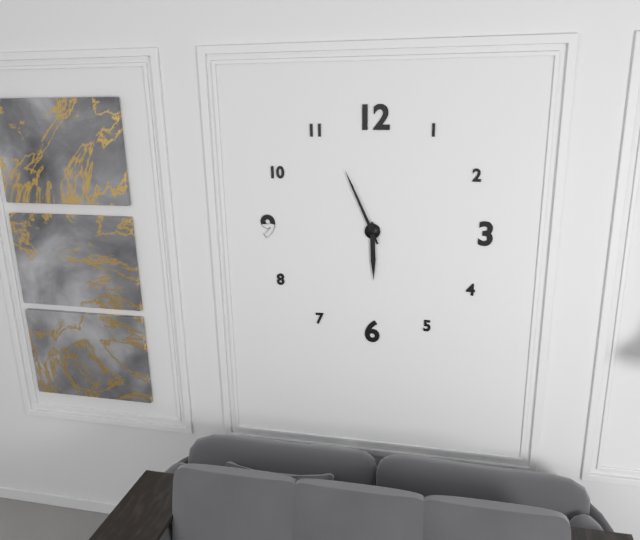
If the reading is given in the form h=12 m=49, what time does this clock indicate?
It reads h=5 m=56
